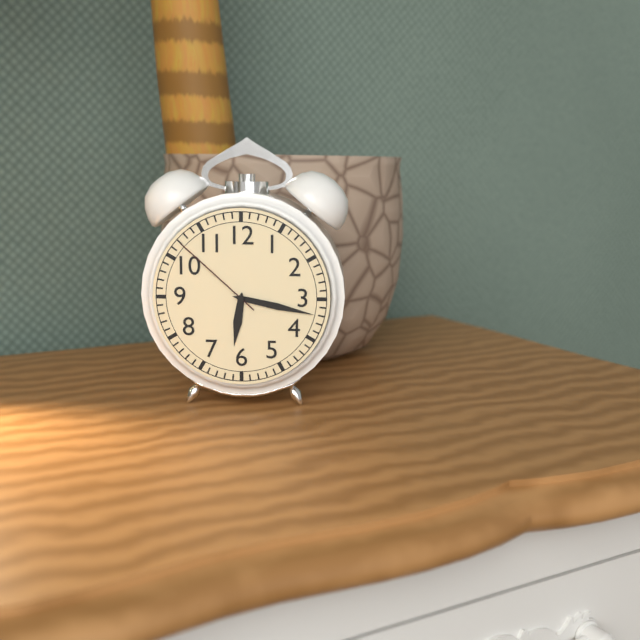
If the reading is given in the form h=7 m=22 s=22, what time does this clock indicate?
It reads h=6 m=17 s=52
